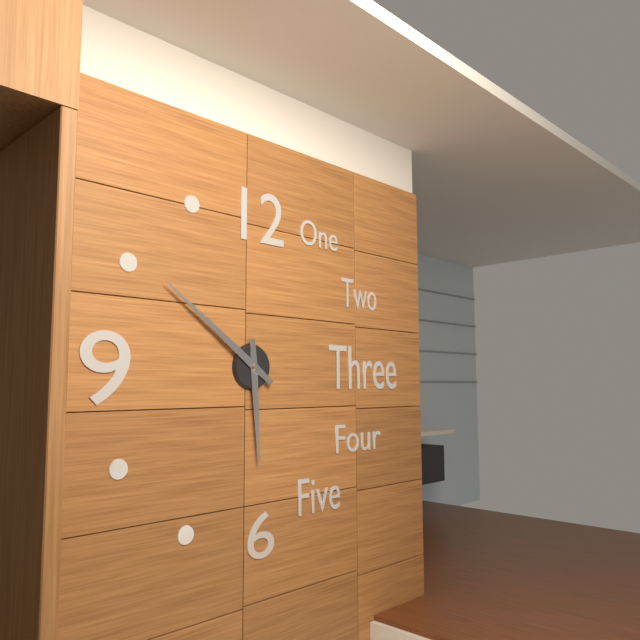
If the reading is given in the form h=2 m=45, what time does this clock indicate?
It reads h=5 m=51
